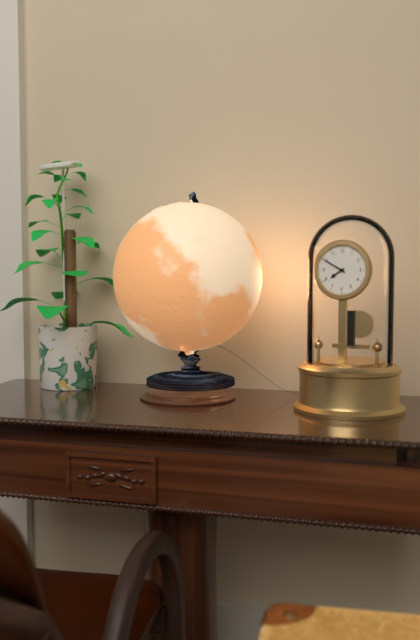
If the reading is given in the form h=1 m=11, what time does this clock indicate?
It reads h=7 m=50
